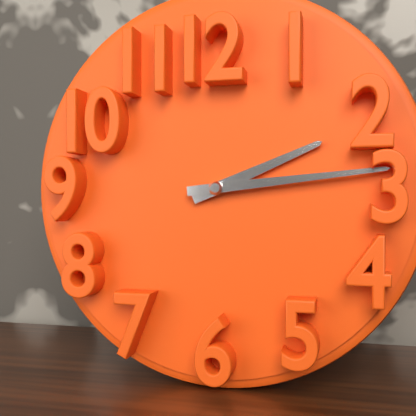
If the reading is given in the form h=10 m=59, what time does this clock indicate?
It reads h=2 m=14
